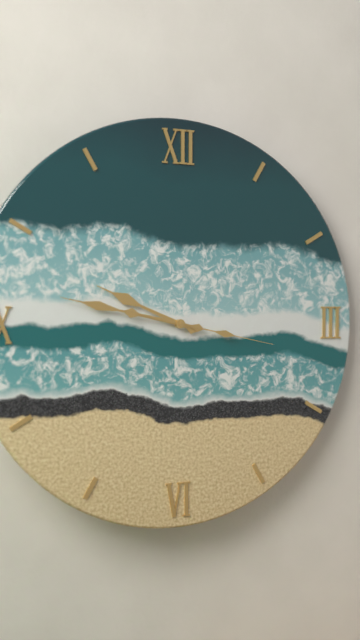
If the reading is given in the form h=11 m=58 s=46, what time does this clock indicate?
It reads h=9 m=47 s=17
